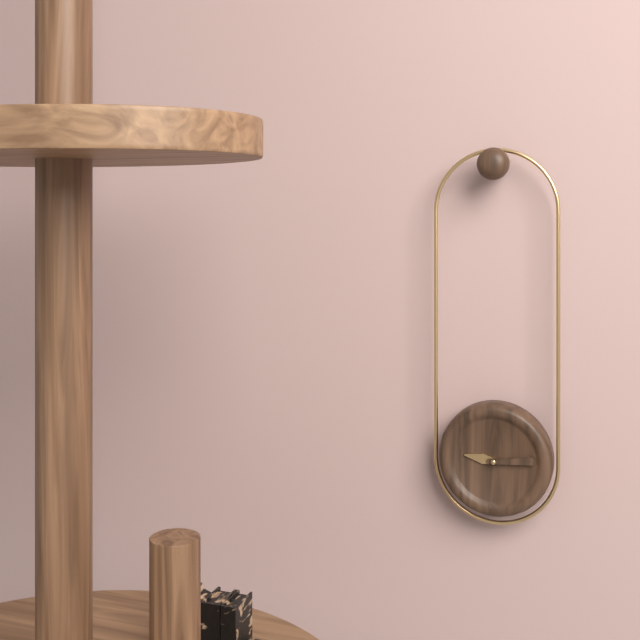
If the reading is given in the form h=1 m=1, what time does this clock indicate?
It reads h=9 m=14
